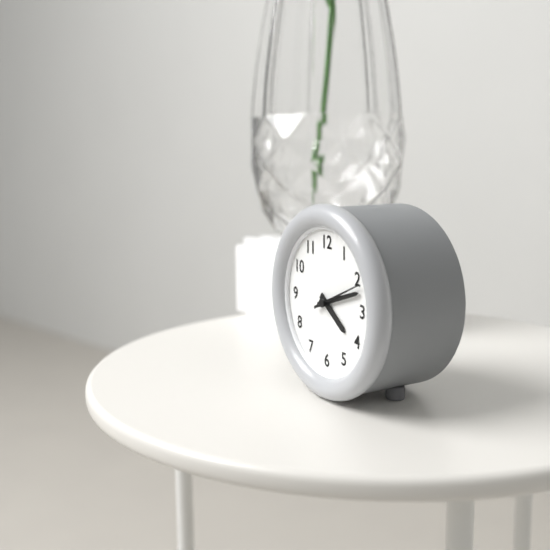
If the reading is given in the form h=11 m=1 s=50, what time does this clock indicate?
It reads h=4 m=12 s=11
